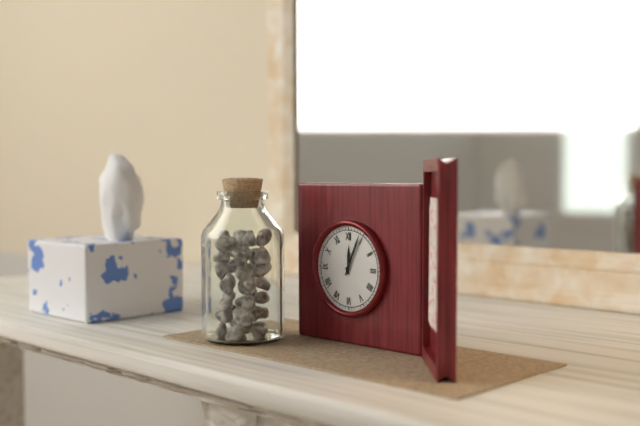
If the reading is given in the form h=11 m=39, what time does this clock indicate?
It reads h=12 m=4
